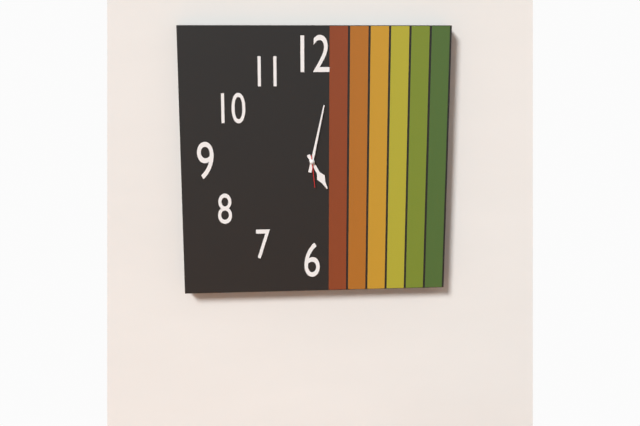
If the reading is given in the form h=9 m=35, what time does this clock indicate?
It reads h=5 m=2
